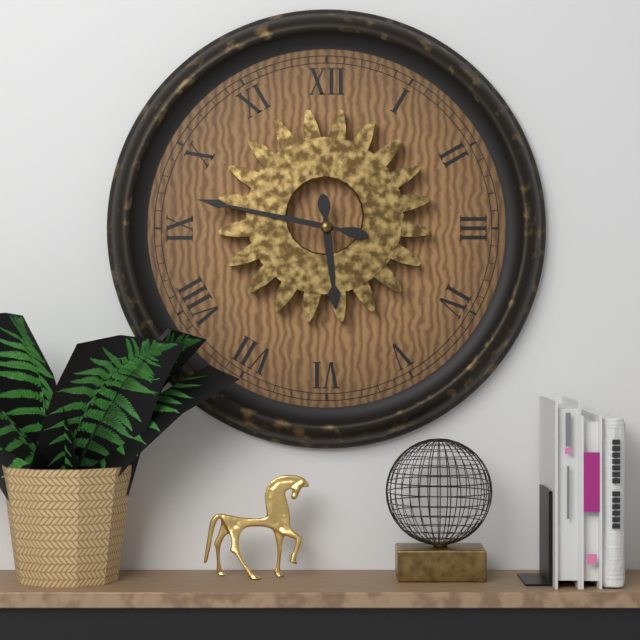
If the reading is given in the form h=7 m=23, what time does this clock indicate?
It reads h=5 m=47
